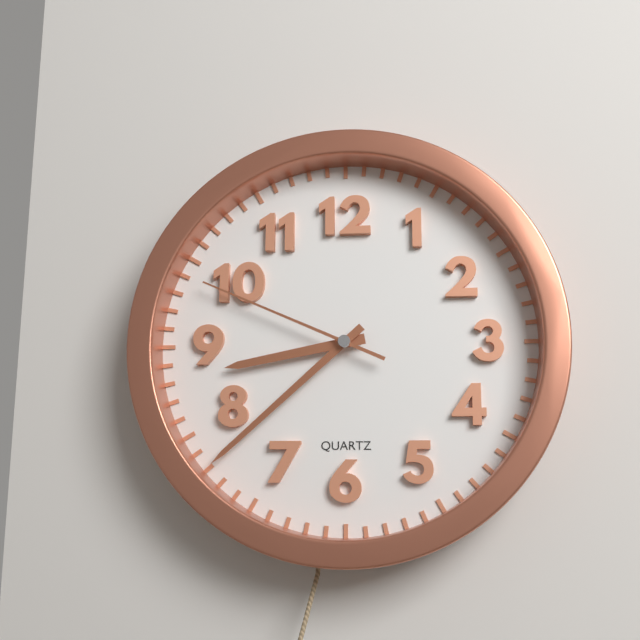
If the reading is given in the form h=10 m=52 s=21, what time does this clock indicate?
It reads h=8 m=38 s=49
